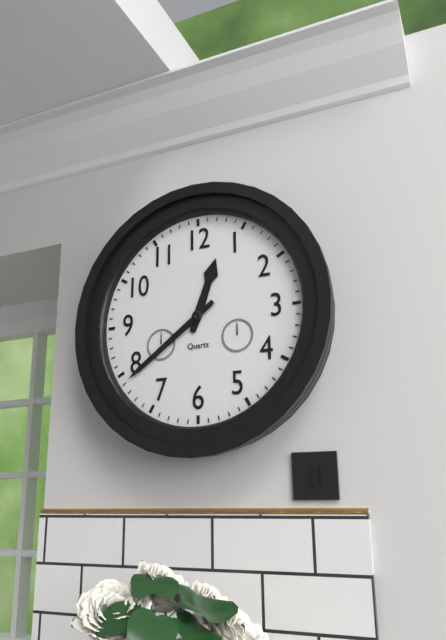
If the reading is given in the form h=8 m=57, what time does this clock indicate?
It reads h=12 m=39
